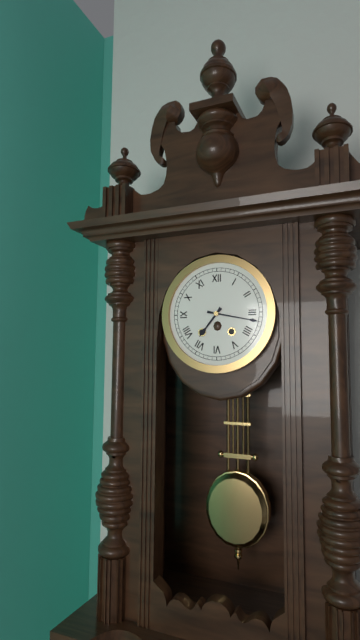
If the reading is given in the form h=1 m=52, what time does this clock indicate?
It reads h=7 m=17
